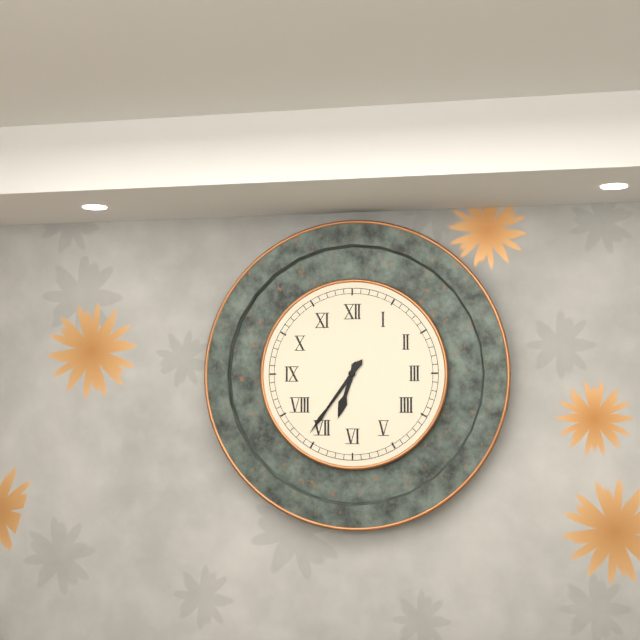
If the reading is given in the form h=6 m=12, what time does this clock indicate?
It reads h=6 m=36
